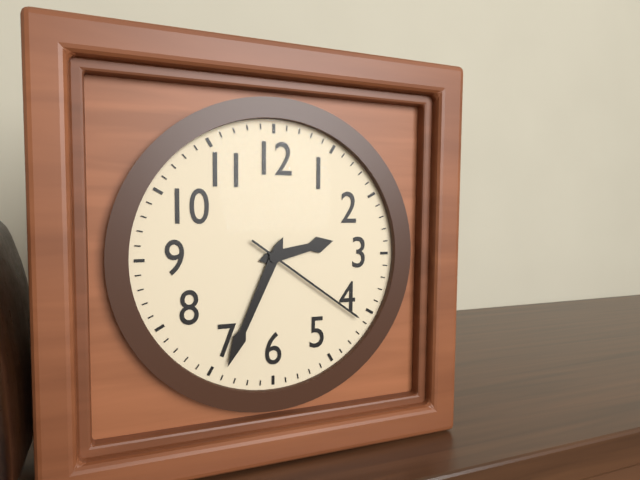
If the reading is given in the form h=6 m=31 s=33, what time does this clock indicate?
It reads h=2 m=34 s=21
